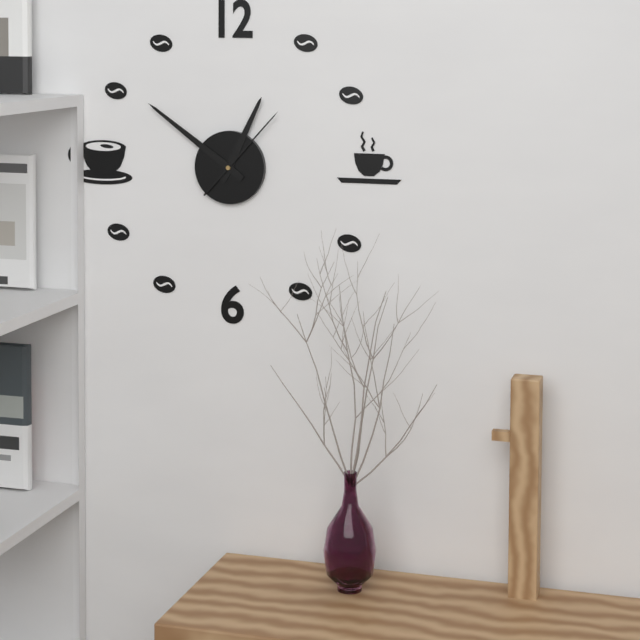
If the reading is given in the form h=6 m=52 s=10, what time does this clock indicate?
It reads h=12 m=51 s=7
